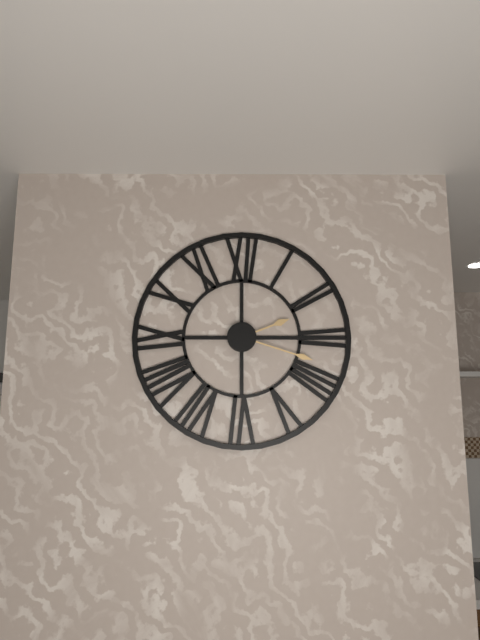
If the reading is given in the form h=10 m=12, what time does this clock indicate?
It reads h=2 m=18
